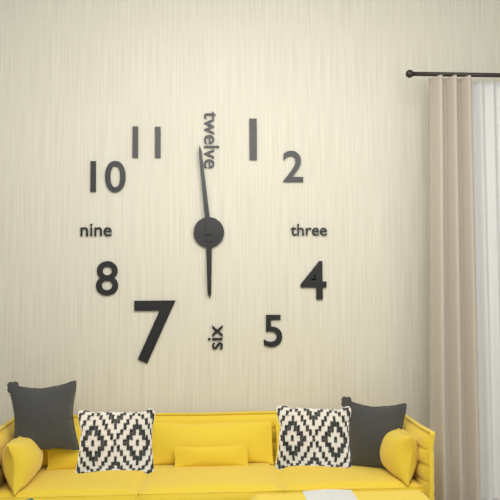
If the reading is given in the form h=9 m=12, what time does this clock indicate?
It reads h=5 m=59
